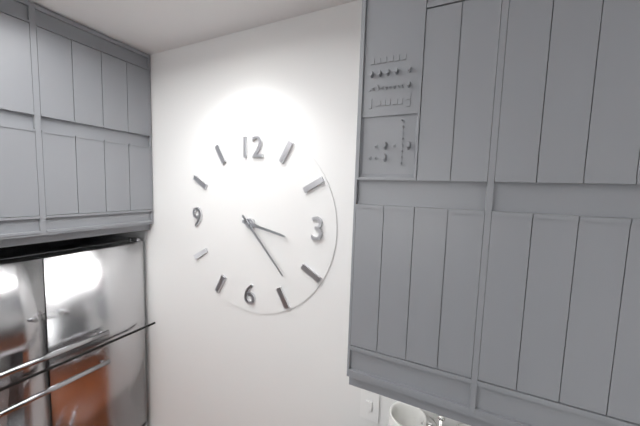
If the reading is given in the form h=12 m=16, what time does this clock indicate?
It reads h=3 m=23
